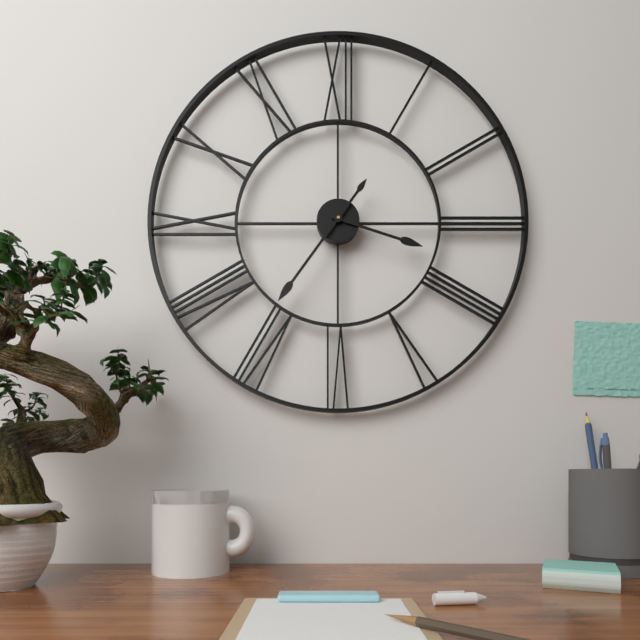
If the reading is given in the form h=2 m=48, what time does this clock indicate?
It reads h=3 m=36
